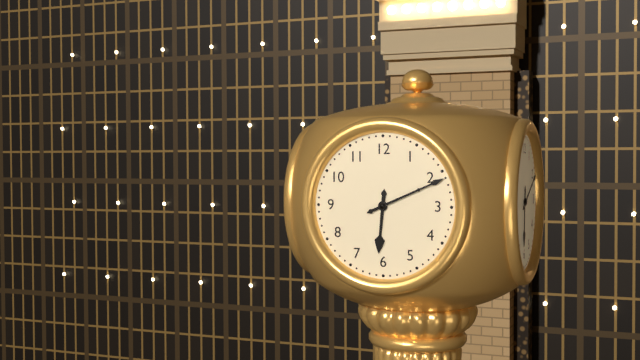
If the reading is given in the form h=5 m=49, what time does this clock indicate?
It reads h=6 m=11
